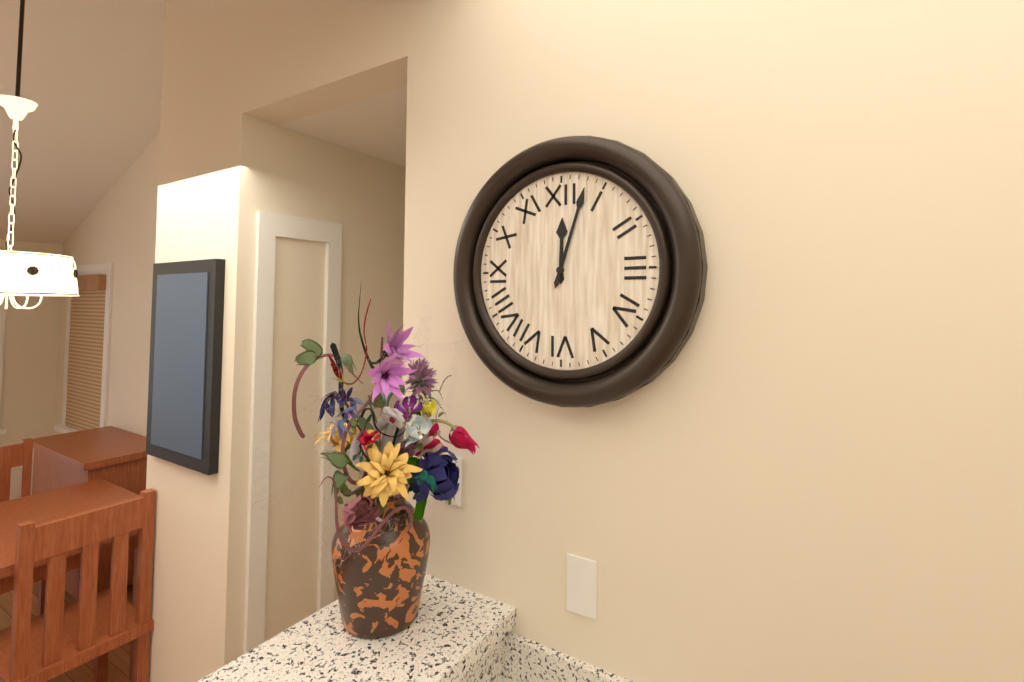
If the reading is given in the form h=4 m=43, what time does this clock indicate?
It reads h=12 m=3
